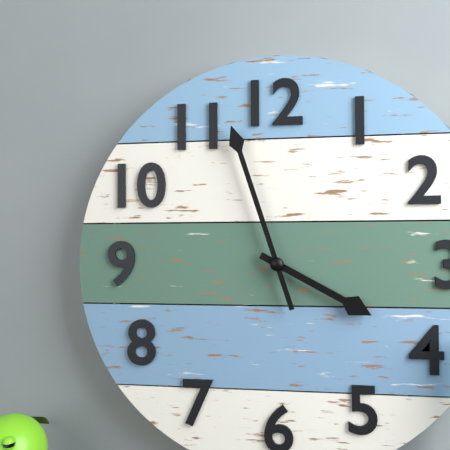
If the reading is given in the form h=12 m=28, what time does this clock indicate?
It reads h=3 m=57
